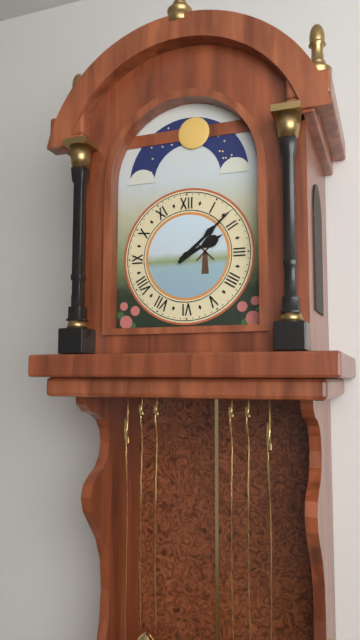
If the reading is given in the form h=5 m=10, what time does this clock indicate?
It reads h=2 m=8
